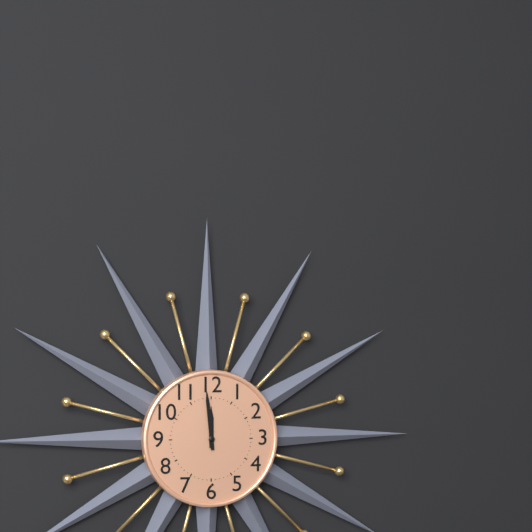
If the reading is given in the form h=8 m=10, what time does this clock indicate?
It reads h=11 m=59
